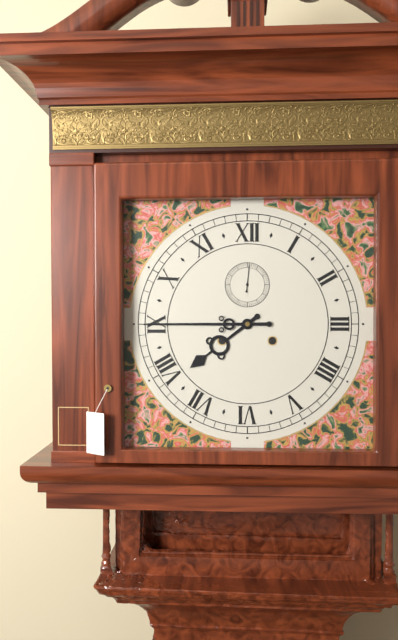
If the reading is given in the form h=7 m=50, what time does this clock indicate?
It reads h=7 m=45
